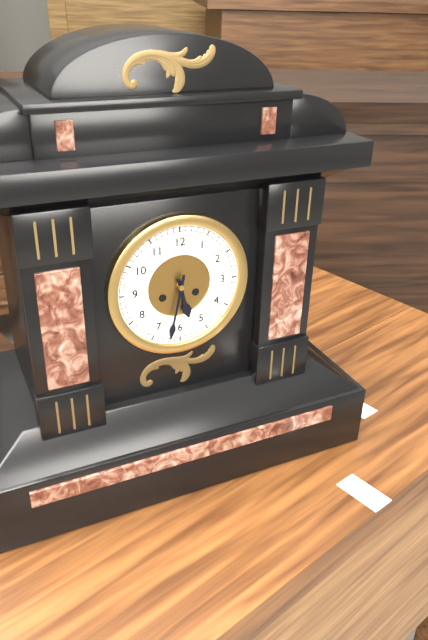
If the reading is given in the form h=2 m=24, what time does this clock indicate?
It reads h=5 m=32
